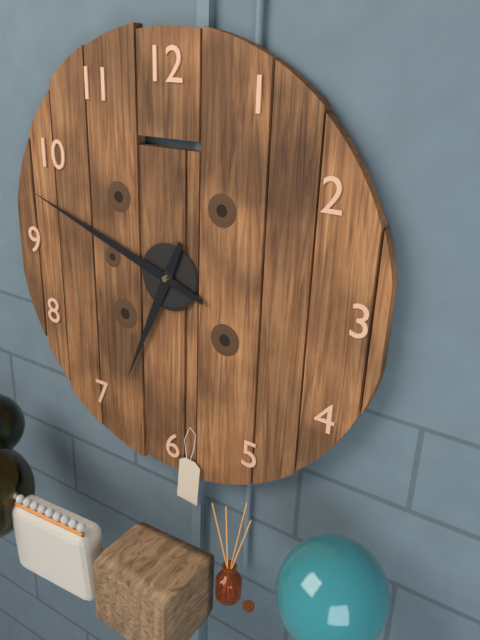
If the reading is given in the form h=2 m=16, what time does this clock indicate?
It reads h=6 m=48
